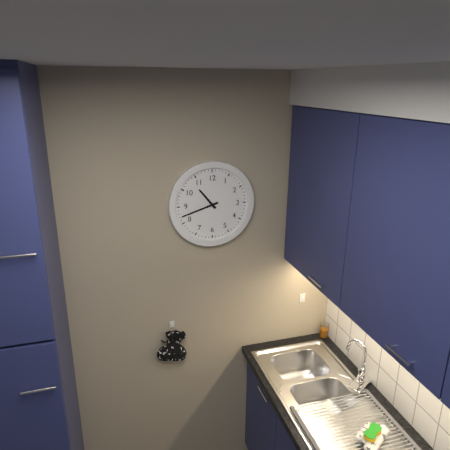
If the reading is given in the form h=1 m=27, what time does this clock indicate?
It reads h=10 m=42
